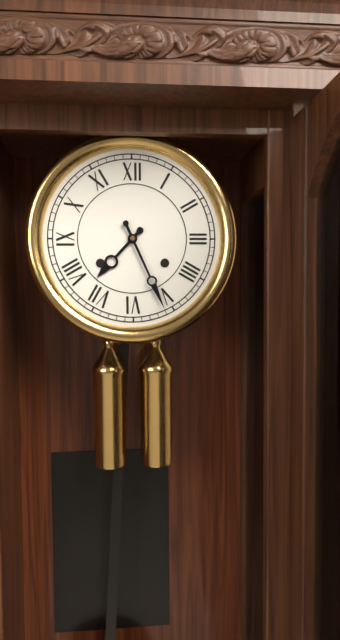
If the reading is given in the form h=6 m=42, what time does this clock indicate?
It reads h=7 m=26
